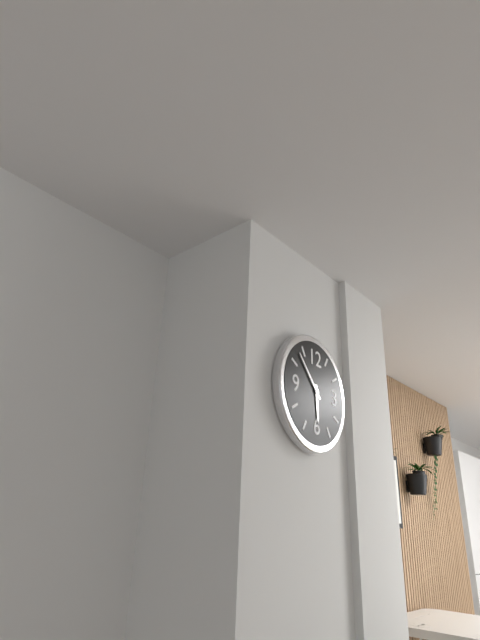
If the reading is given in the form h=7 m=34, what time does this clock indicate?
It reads h=5 m=53
